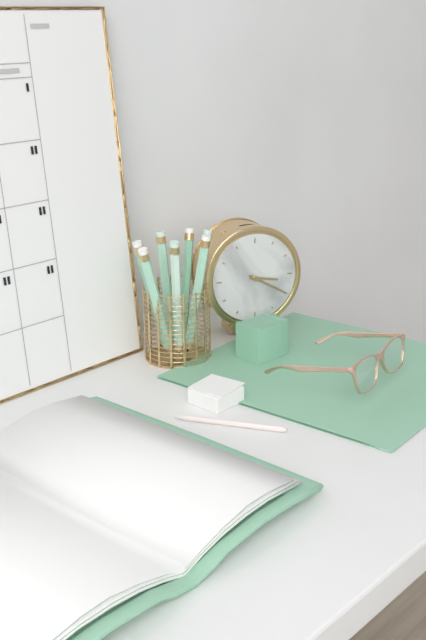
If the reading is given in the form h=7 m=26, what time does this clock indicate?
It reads h=3 m=20
